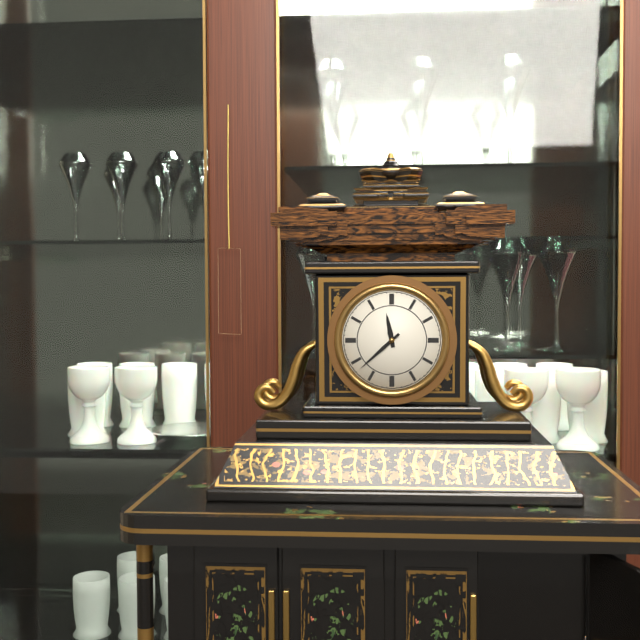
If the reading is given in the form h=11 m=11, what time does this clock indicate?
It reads h=11 m=38
